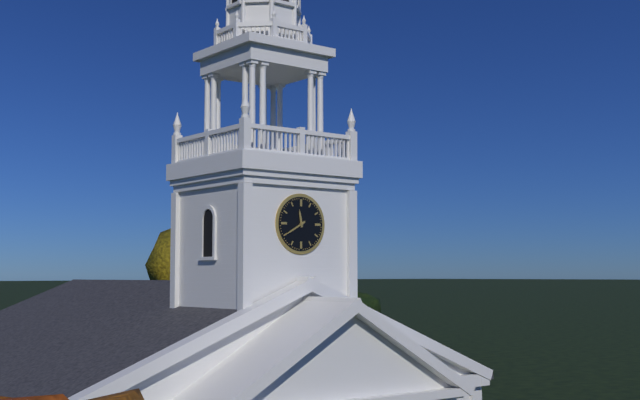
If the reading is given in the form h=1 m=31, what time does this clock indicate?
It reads h=11 m=40
